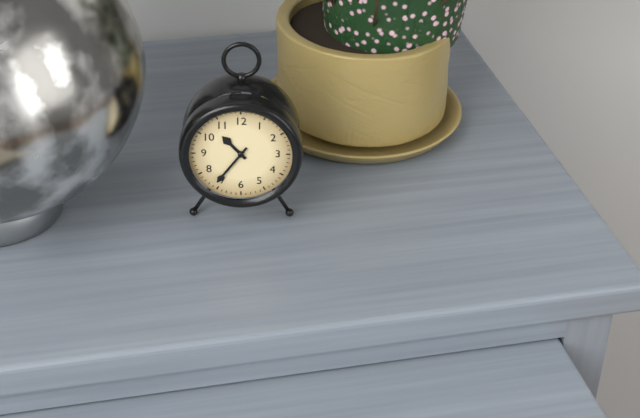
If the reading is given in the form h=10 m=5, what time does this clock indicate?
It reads h=10 m=36
